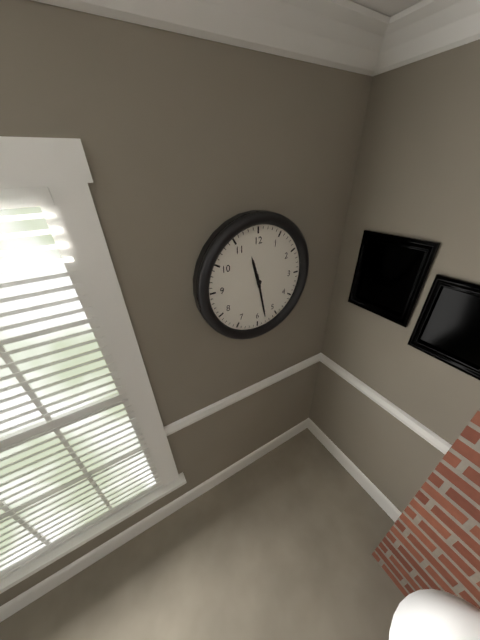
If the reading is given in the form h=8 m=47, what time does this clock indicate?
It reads h=11 m=28
